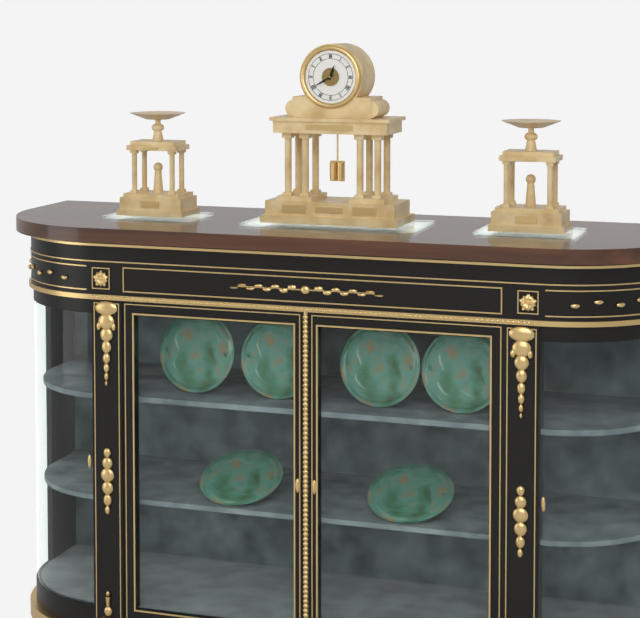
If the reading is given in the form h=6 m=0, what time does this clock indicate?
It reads h=12 m=40
